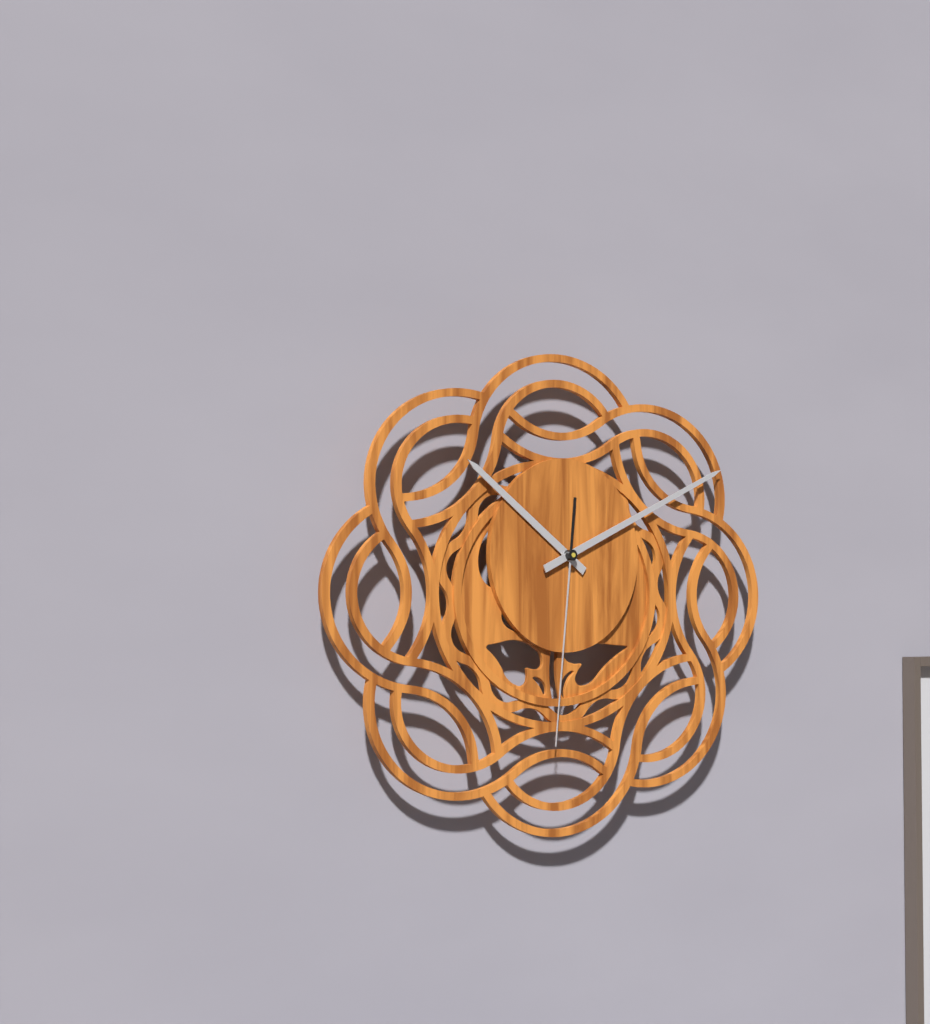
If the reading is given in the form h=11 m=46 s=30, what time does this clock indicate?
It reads h=10 m=11 s=31
